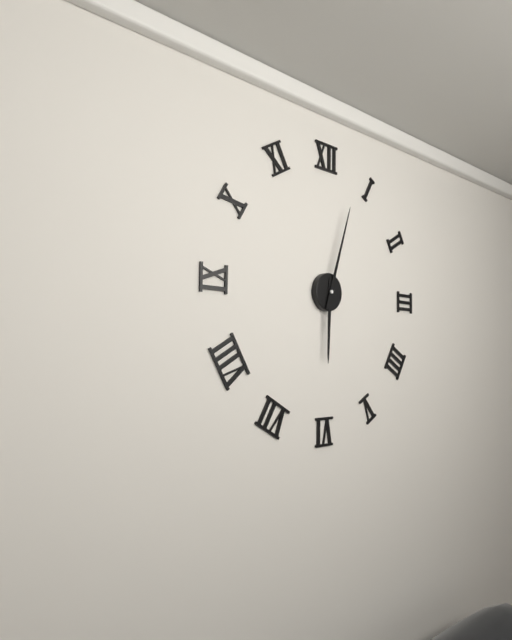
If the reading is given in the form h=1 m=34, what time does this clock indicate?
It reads h=6 m=3
